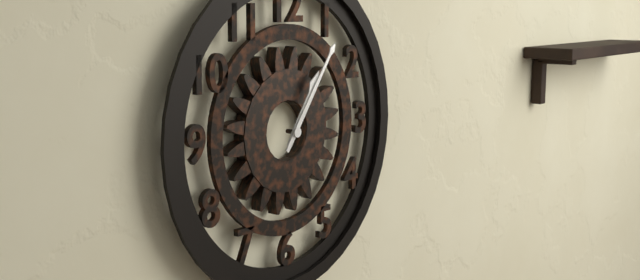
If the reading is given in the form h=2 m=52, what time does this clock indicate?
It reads h=1 m=6
